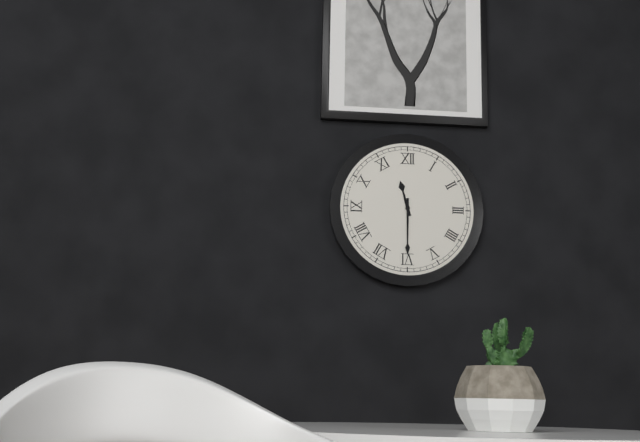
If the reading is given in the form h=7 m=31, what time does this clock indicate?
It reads h=11 m=30
